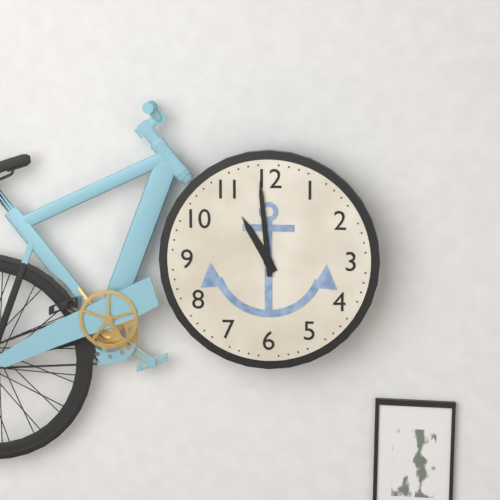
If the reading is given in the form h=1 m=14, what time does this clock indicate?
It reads h=10 m=59
